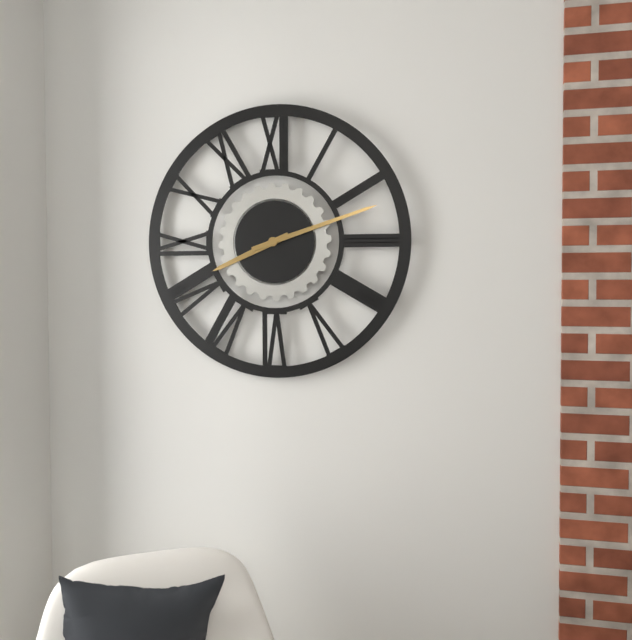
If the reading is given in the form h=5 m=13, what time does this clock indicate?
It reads h=8 m=12
